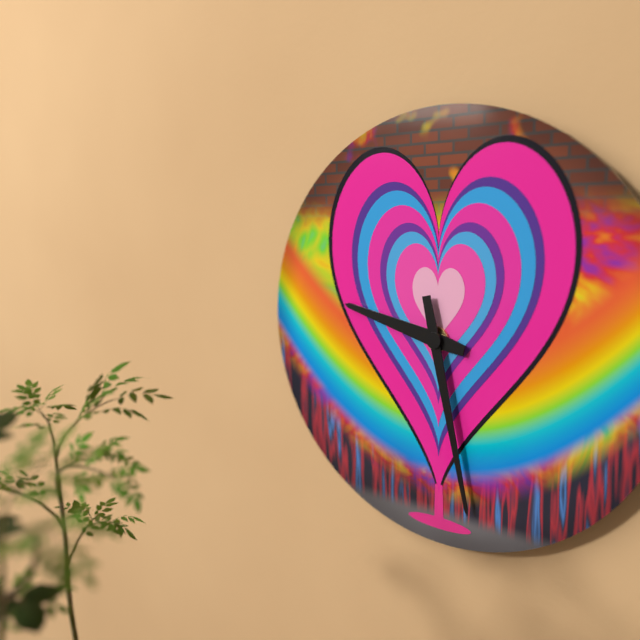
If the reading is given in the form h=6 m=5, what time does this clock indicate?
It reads h=9 m=28
